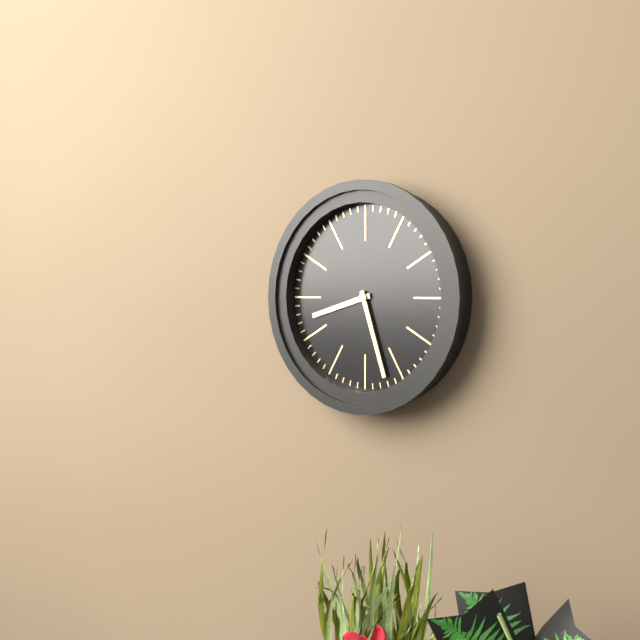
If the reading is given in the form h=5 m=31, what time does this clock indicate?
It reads h=8 m=27
